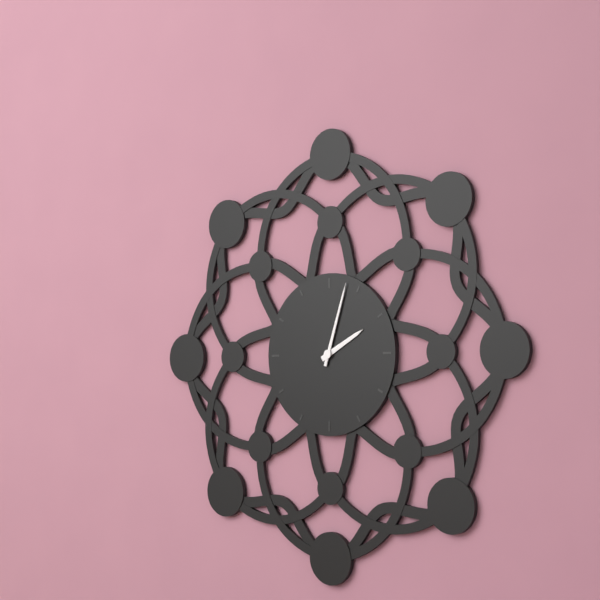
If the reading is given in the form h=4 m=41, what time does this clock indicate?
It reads h=2 m=3
